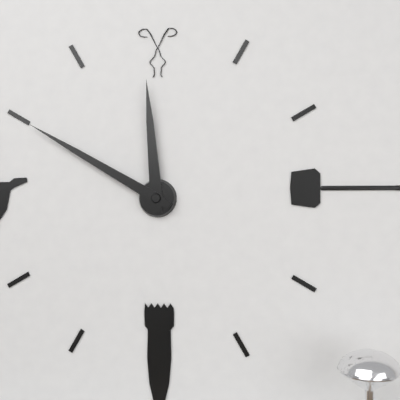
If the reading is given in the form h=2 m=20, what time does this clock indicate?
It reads h=11 m=50
